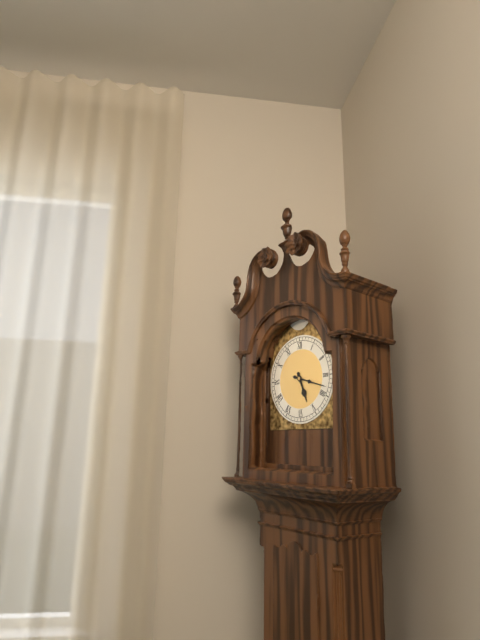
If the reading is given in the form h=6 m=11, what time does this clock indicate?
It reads h=5 m=18
